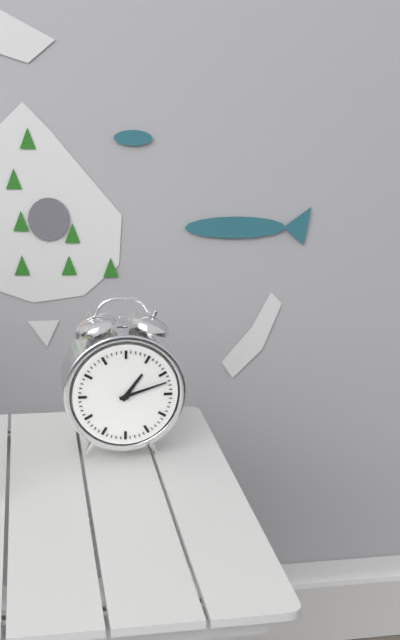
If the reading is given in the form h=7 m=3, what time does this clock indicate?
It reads h=1 m=12
